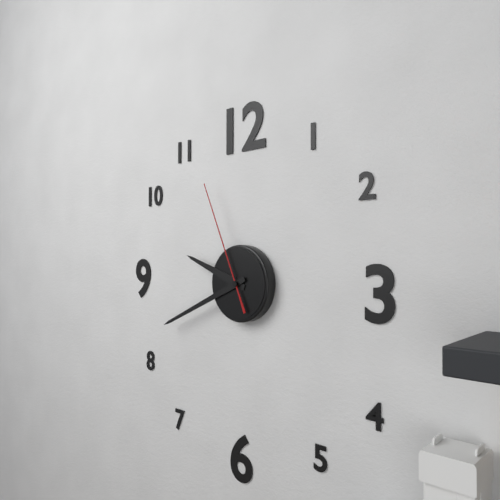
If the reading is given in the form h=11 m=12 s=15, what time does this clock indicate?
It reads h=9 m=41 s=56
